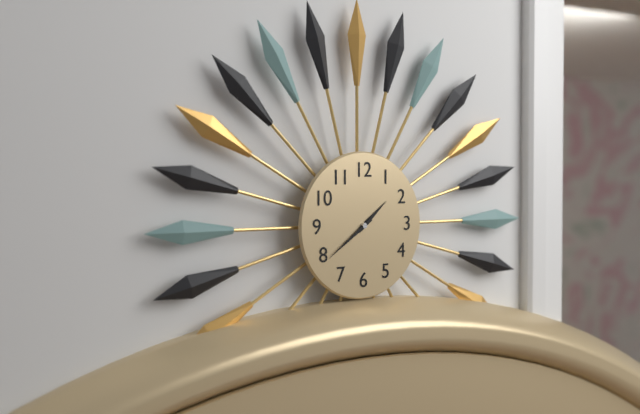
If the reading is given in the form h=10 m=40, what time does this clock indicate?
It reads h=1 m=39
